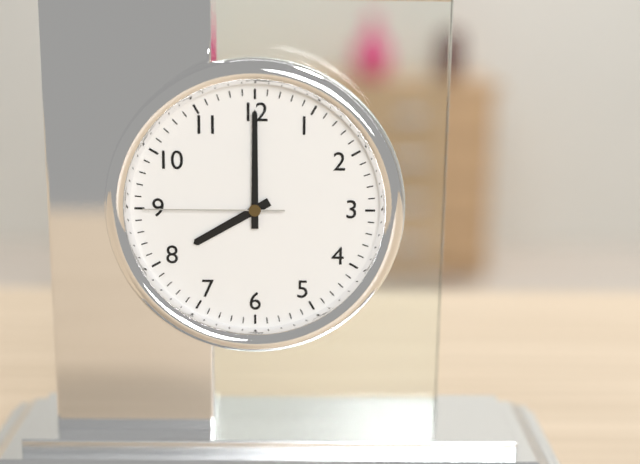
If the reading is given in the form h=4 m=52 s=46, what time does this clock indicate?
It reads h=8 m=0 s=45
